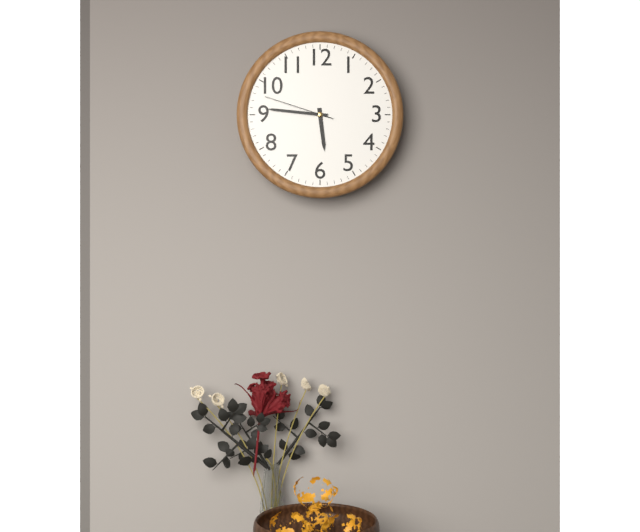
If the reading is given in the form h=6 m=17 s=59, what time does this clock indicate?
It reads h=5 m=46 s=48
